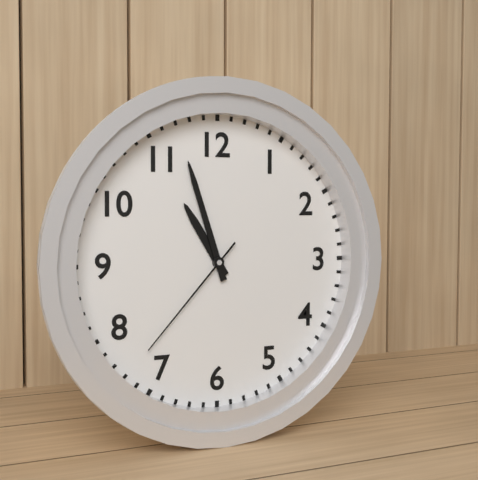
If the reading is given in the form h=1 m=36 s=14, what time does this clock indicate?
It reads h=10 m=57 s=37
